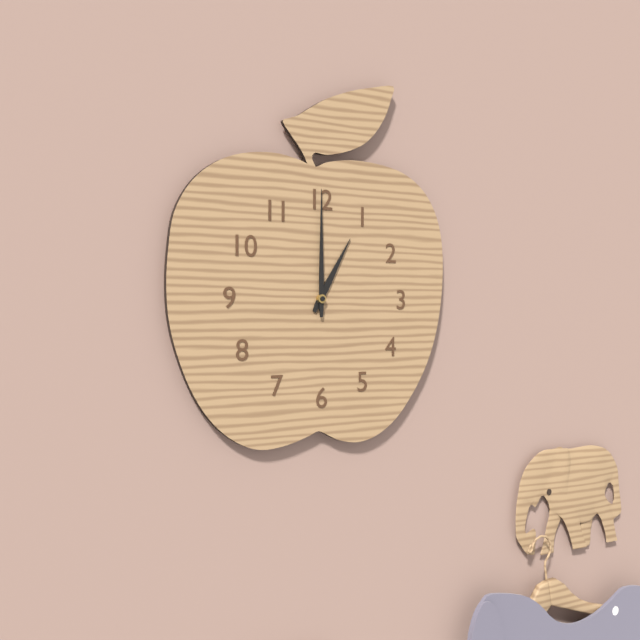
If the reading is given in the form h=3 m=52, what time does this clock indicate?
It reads h=1 m=0
